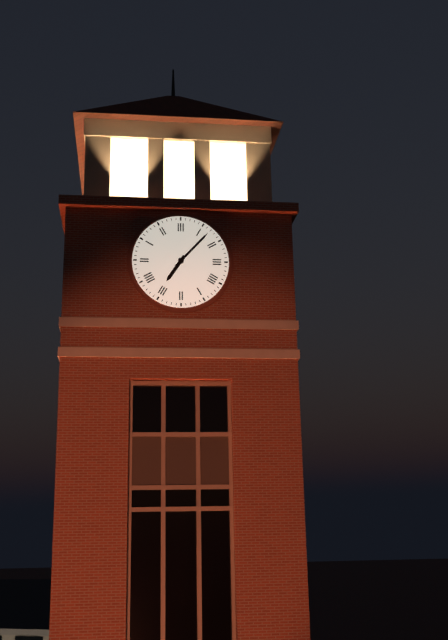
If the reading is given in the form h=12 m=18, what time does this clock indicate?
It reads h=7 m=7
